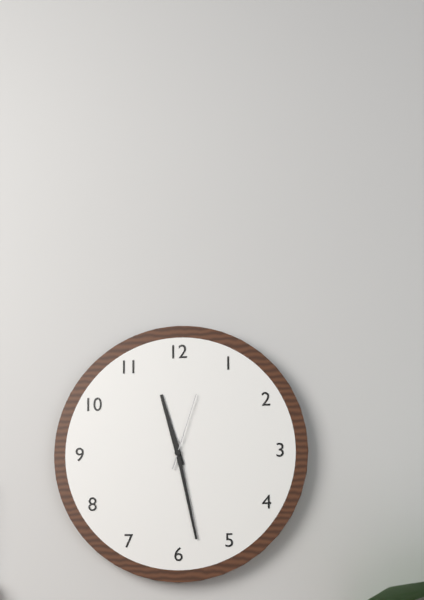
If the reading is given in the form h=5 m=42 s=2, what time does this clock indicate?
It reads h=11 m=28 s=3
